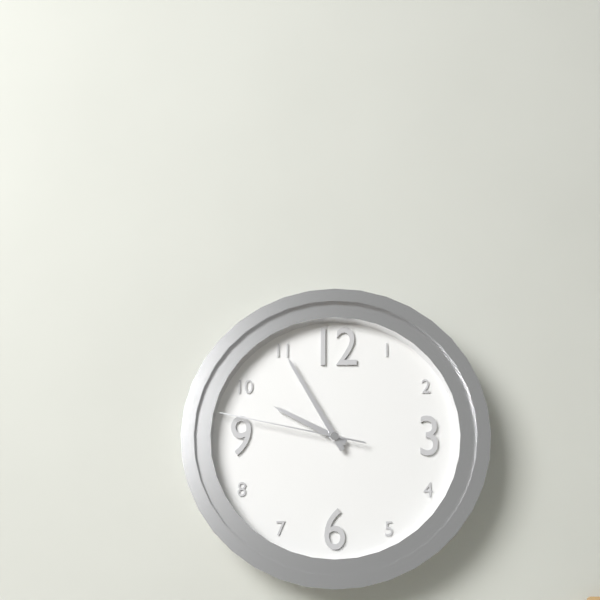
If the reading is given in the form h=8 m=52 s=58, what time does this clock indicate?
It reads h=9 m=55 s=47
